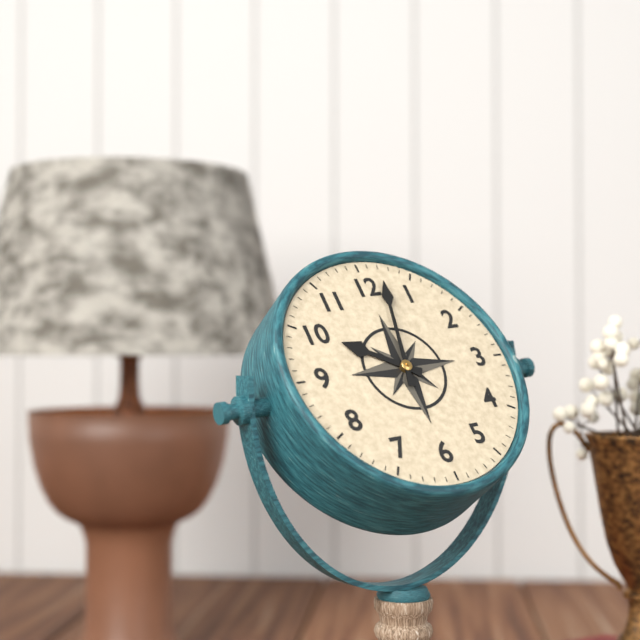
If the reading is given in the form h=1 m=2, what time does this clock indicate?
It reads h=10 m=2
